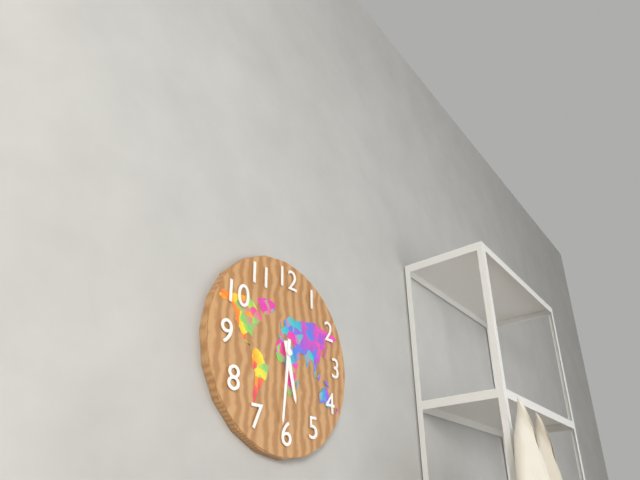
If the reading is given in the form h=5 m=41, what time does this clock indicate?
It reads h=5 m=31
